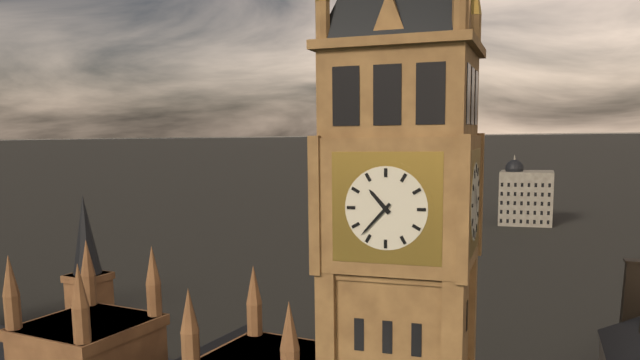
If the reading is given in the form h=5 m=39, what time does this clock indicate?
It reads h=10 m=37
